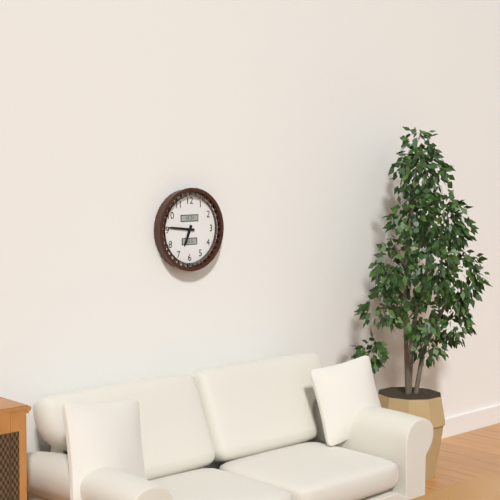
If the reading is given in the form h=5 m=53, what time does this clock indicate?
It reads h=6 m=46
